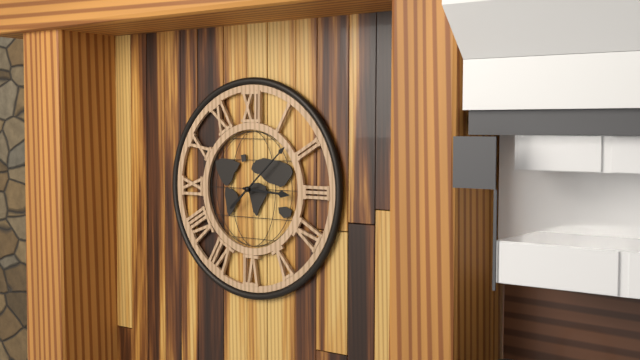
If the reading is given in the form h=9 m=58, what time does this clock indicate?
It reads h=3 m=8
